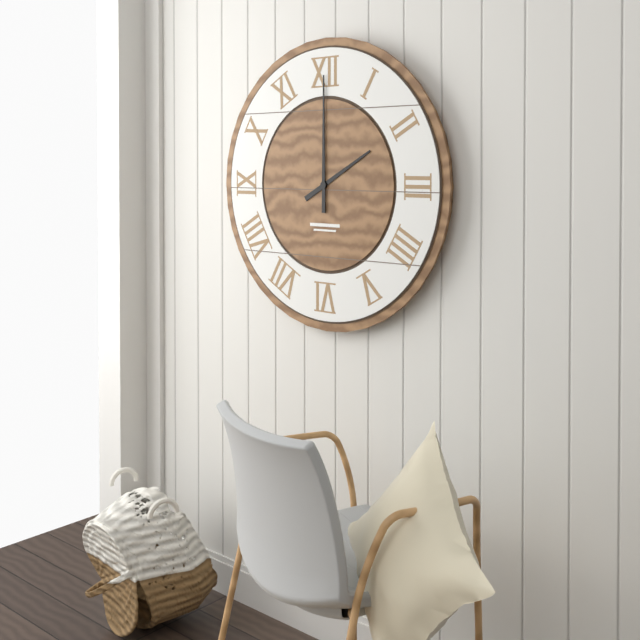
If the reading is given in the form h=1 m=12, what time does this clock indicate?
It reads h=2 m=0
